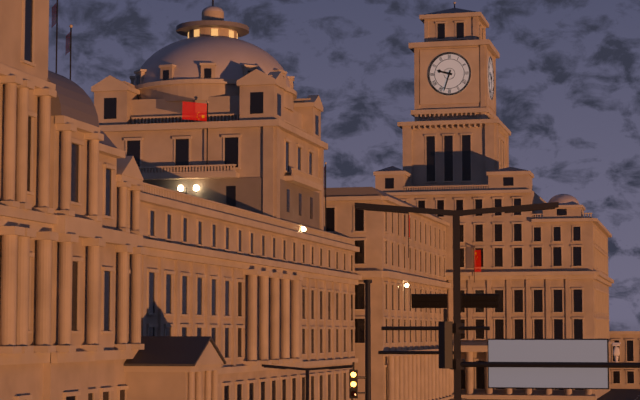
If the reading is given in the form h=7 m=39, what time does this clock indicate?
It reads h=9 m=33
